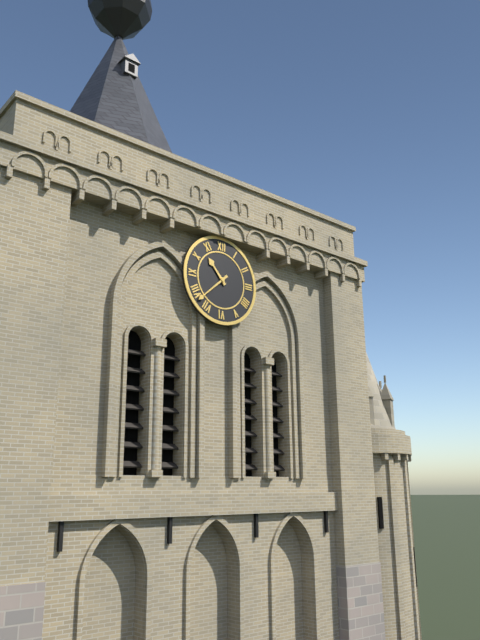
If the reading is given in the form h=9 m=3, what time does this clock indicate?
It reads h=10 m=38
